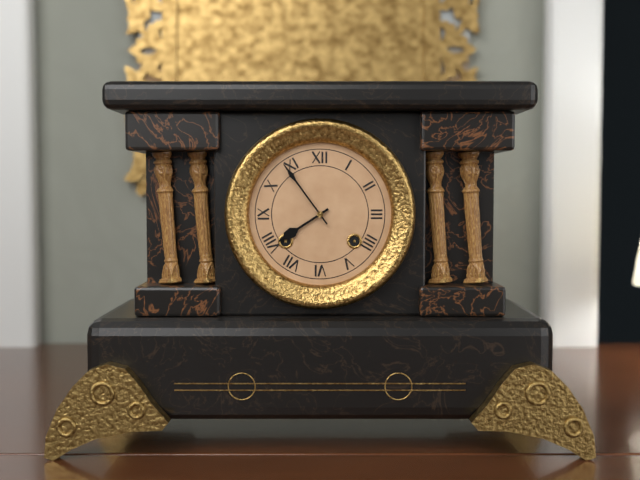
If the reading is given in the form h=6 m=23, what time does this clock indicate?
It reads h=7 m=54
